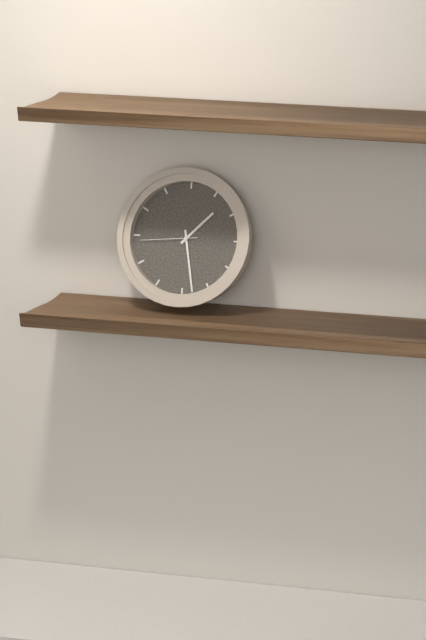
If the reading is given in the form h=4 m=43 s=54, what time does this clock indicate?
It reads h=1 m=28 s=44
